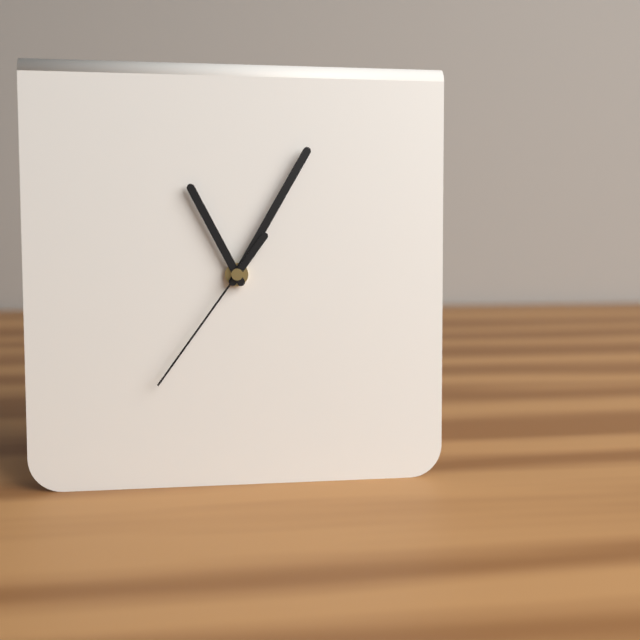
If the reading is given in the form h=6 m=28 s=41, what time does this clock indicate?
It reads h=11 m=5 s=36
